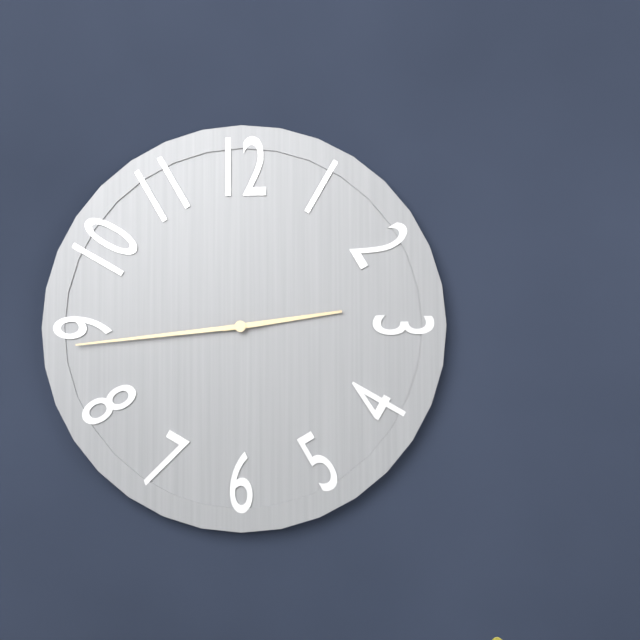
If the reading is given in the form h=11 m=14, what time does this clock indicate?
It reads h=2 m=44
